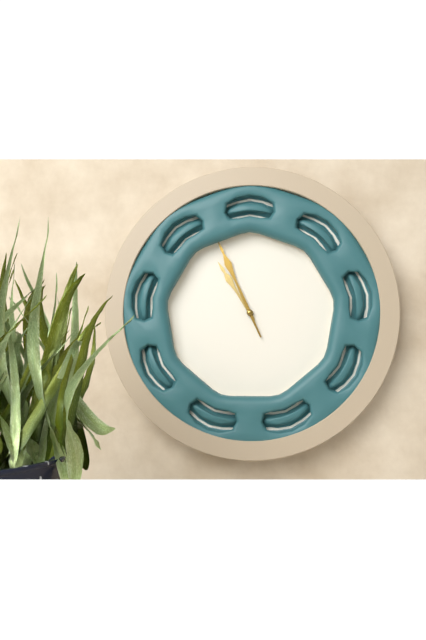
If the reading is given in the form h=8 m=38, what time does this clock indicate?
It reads h=10 m=56
